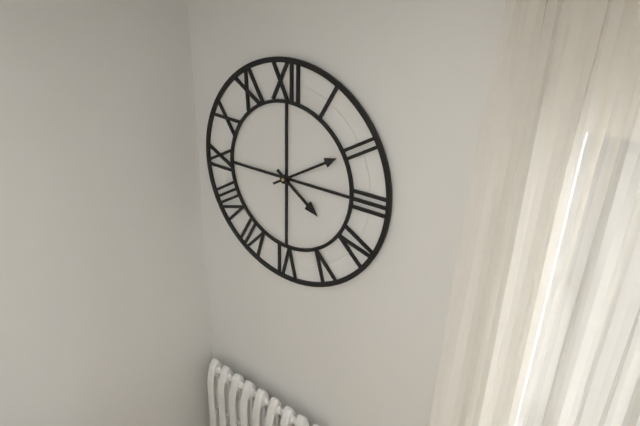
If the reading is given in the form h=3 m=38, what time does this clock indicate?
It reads h=4 m=10
